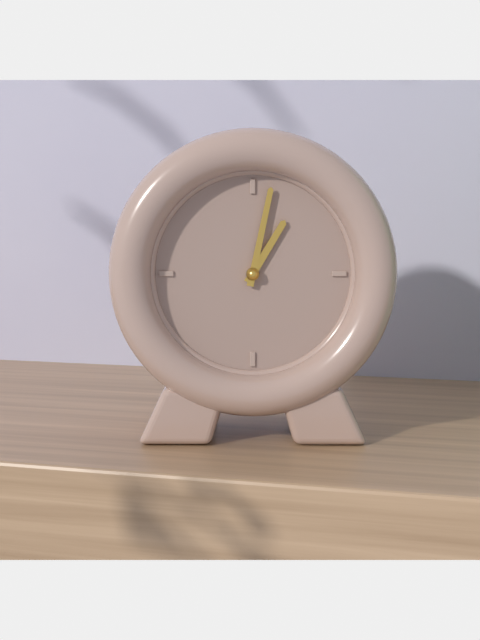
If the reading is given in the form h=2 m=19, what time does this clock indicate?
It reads h=1 m=2
